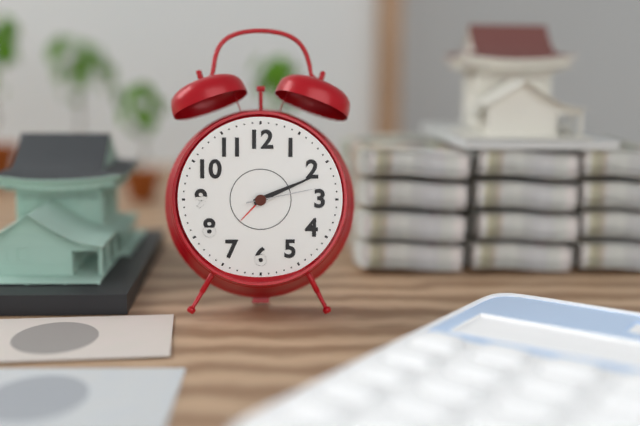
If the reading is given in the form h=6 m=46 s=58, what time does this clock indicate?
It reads h=2 m=11 s=13
